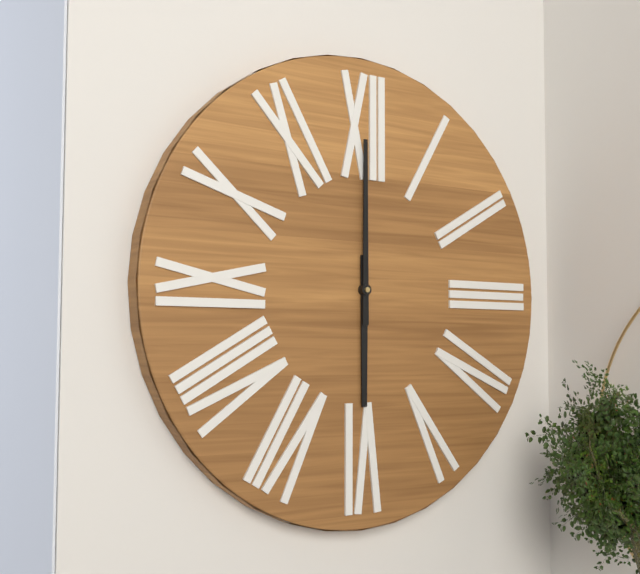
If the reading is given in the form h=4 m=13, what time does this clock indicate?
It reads h=6 m=0
